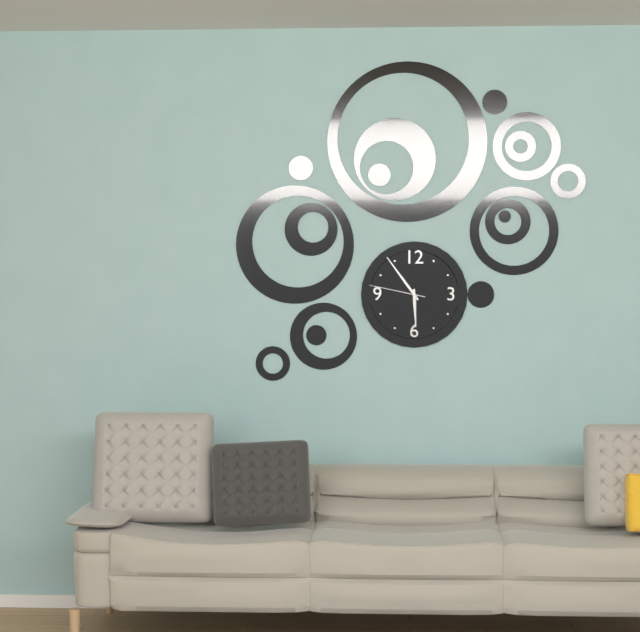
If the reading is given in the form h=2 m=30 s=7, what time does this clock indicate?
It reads h=5 m=54 s=47
